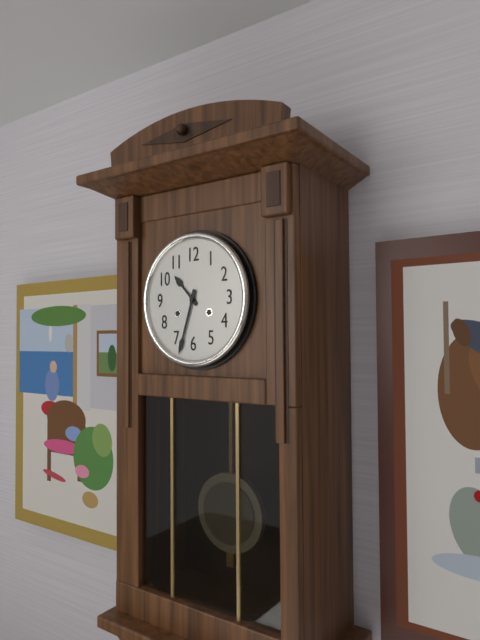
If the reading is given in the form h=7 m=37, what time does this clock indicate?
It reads h=10 m=33
